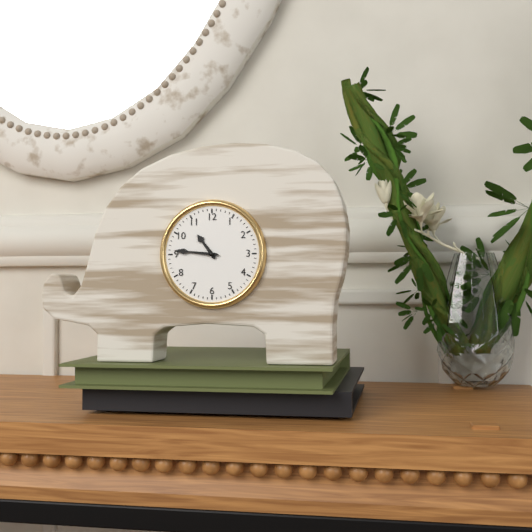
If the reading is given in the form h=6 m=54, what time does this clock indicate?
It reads h=10 m=46
